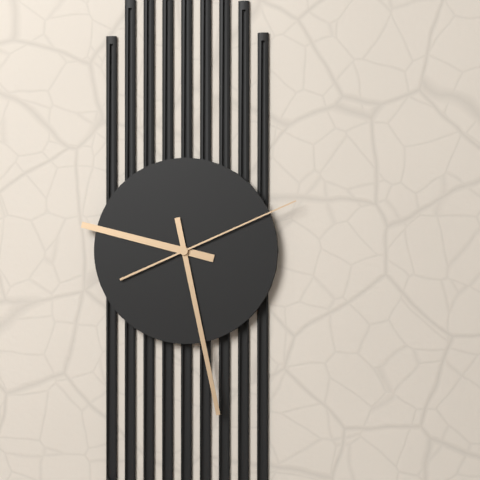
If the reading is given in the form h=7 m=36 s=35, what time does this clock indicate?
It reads h=9 m=28 s=11
